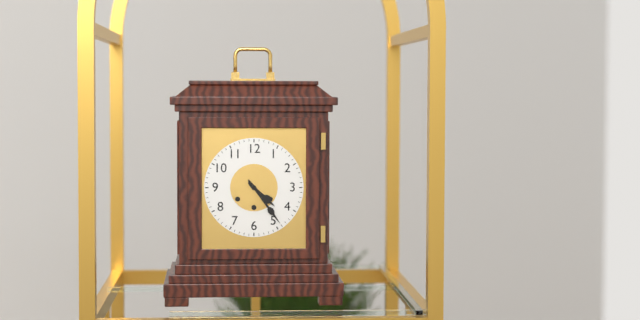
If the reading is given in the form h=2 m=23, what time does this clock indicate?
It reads h=4 m=24
